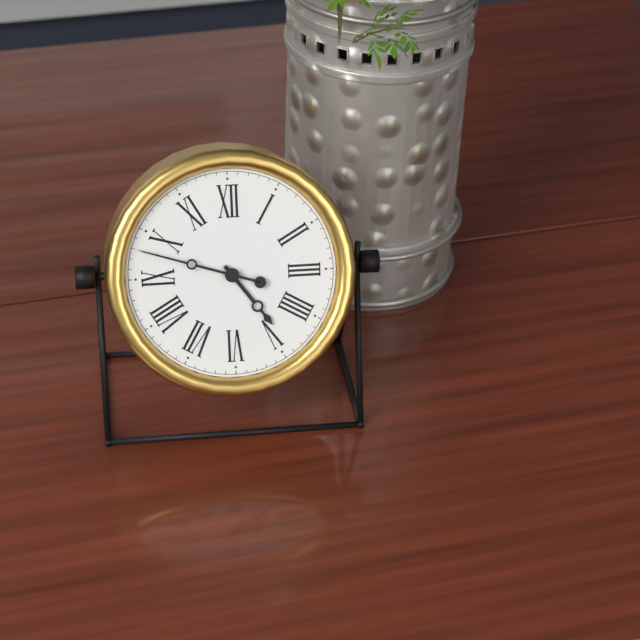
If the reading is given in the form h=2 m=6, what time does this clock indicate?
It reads h=4 m=48
